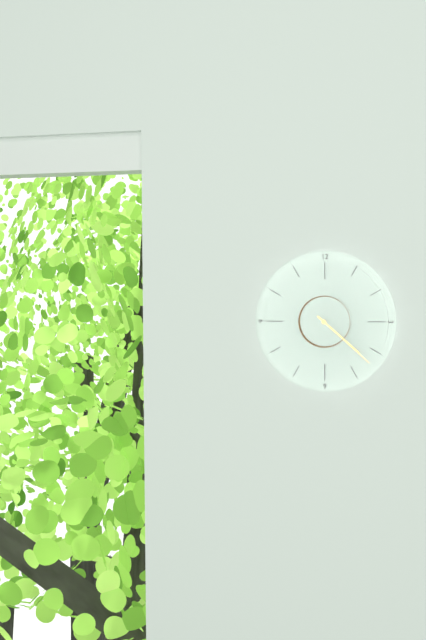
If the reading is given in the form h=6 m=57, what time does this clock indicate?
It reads h=4 m=22
